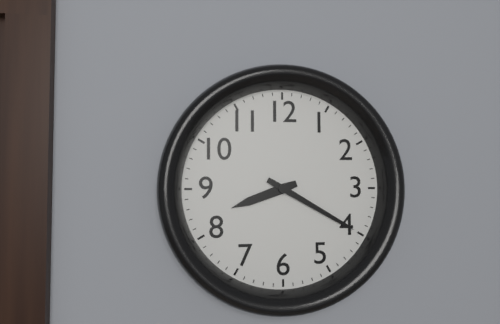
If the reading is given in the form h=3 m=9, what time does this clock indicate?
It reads h=8 m=20
